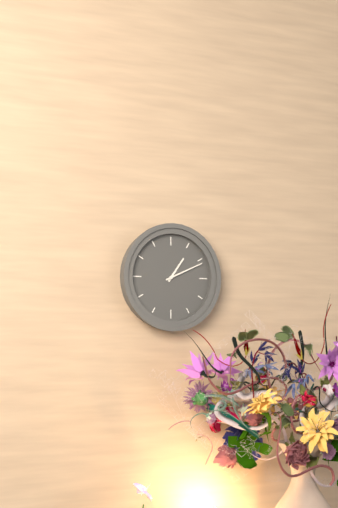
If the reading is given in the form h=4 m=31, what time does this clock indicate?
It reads h=1 m=11
